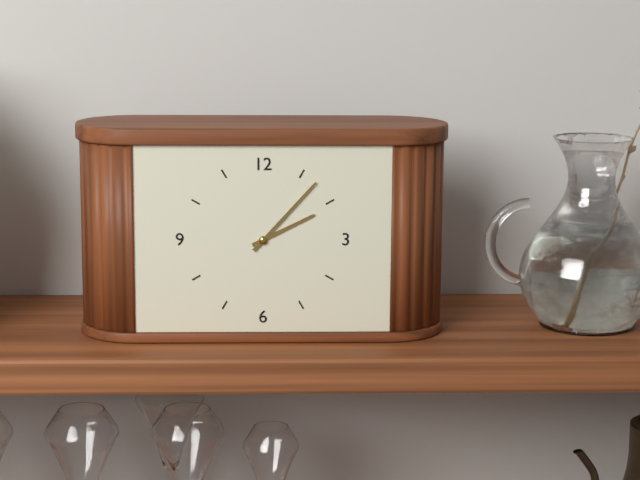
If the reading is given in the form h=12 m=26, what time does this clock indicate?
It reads h=2 m=7
